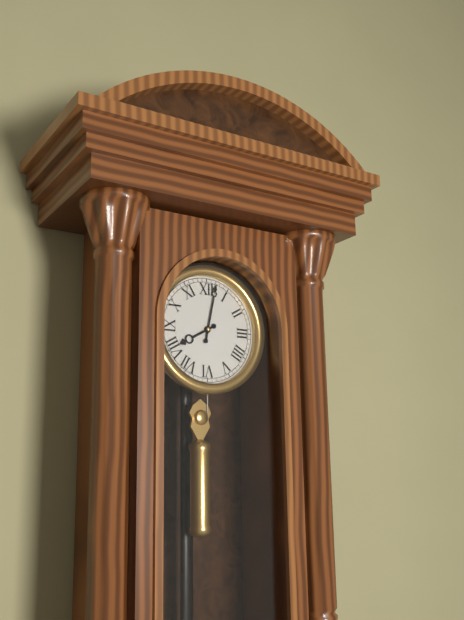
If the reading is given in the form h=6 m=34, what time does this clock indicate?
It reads h=8 m=2
